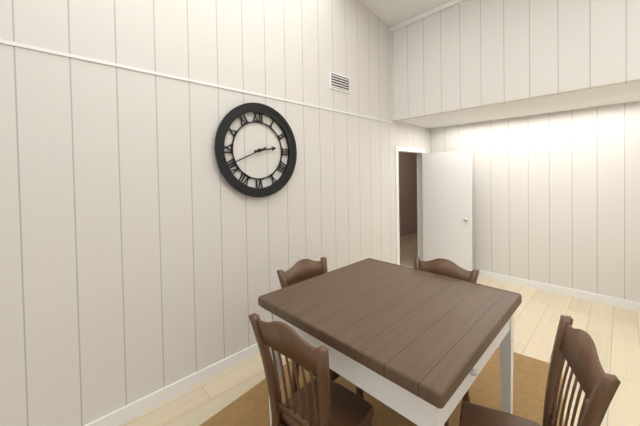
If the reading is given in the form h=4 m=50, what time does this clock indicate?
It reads h=2 m=41
